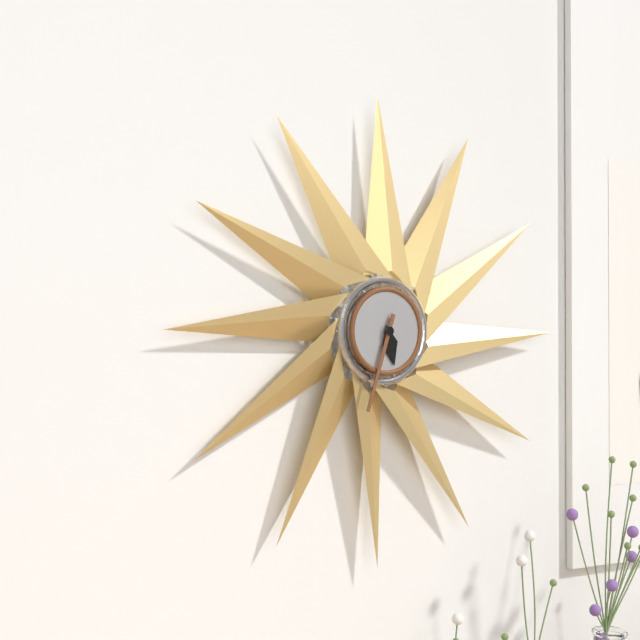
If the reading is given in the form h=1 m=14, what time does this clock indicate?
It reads h=5 m=33
